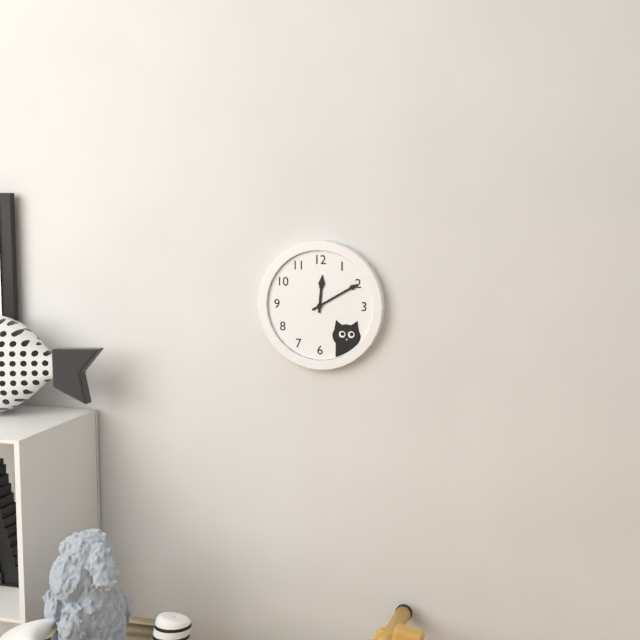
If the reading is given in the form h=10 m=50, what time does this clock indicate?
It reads h=12 m=10
